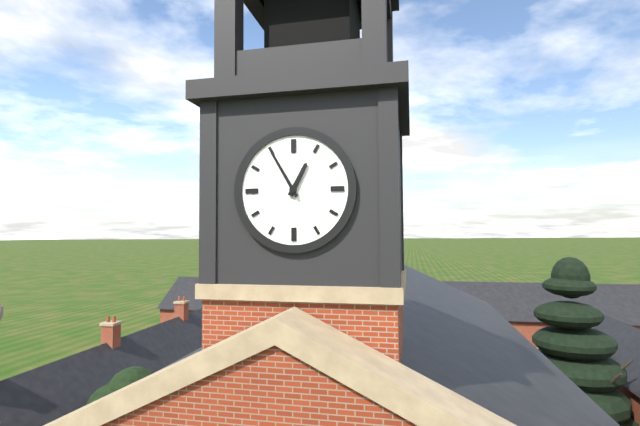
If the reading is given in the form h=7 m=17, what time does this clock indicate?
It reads h=12 m=55
